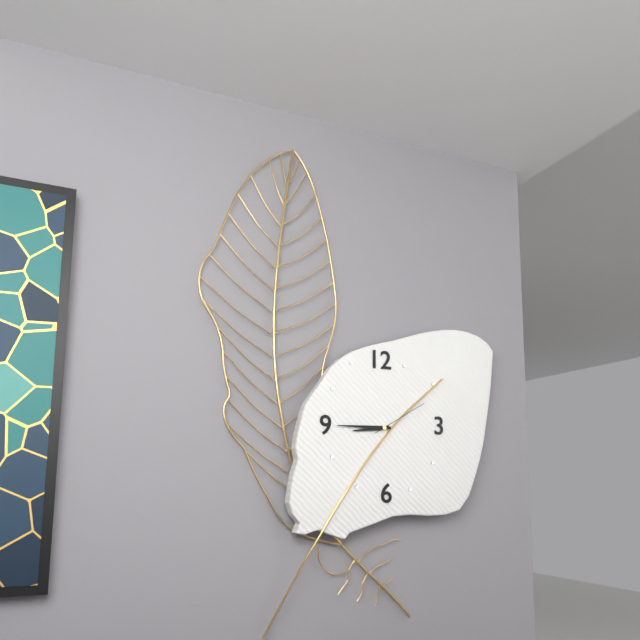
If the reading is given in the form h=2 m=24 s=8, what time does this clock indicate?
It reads h=8 m=45 s=10
